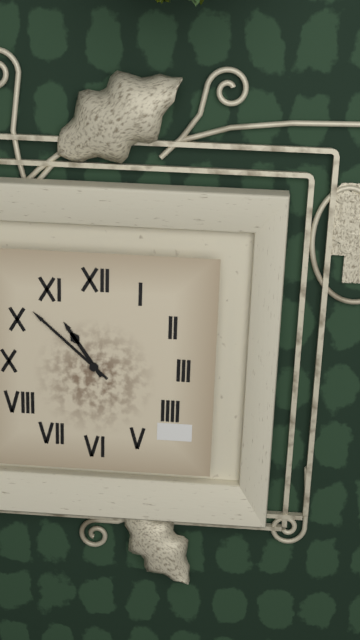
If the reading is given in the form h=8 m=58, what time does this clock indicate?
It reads h=10 m=52
